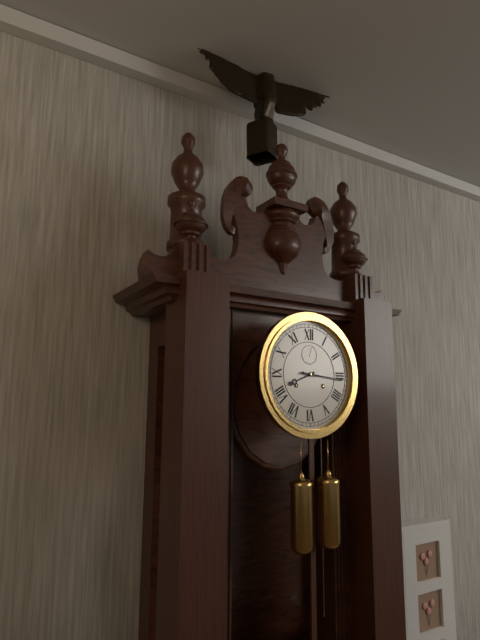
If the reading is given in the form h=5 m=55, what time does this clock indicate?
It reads h=8 m=16
